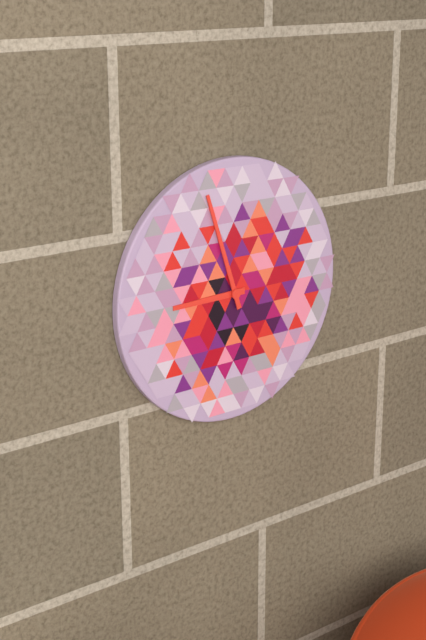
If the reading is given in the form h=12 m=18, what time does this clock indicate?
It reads h=8 m=57
